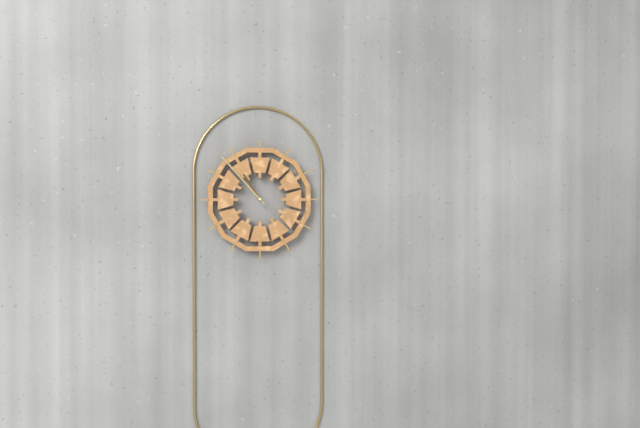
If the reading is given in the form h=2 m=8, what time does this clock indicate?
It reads h=10 m=53
